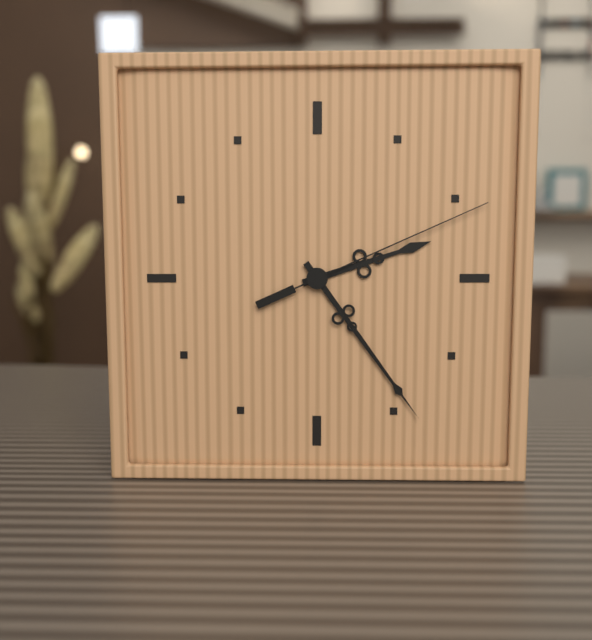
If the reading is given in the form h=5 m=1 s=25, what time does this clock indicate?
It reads h=2 m=24 s=11
